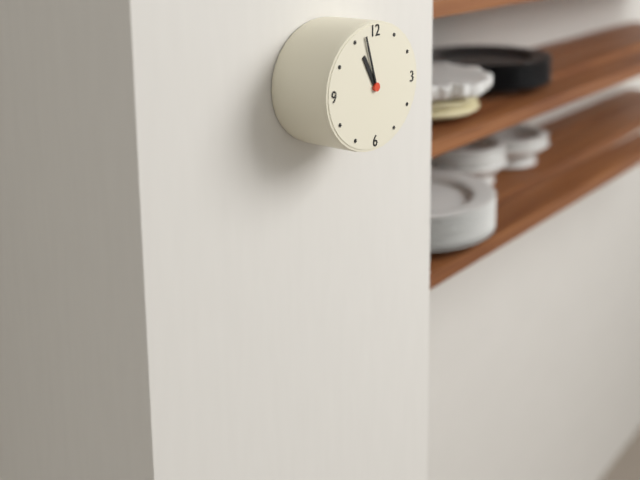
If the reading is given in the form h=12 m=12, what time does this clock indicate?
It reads h=10 m=57
